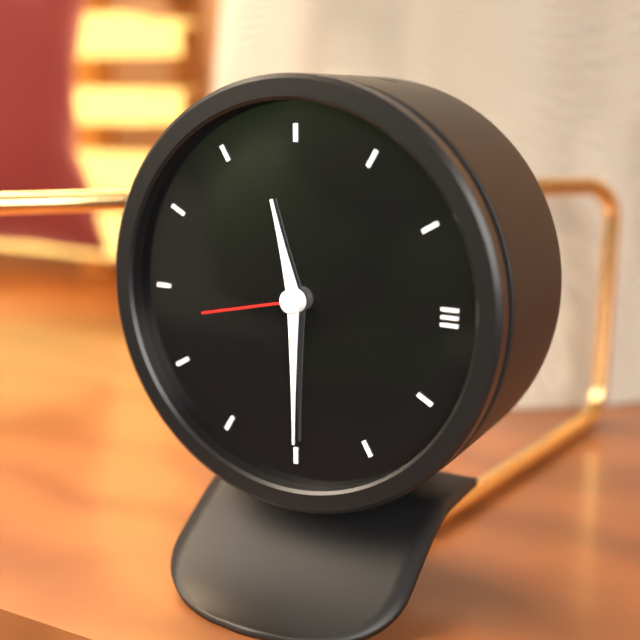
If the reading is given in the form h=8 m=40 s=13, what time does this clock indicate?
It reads h=11 m=30 s=43
